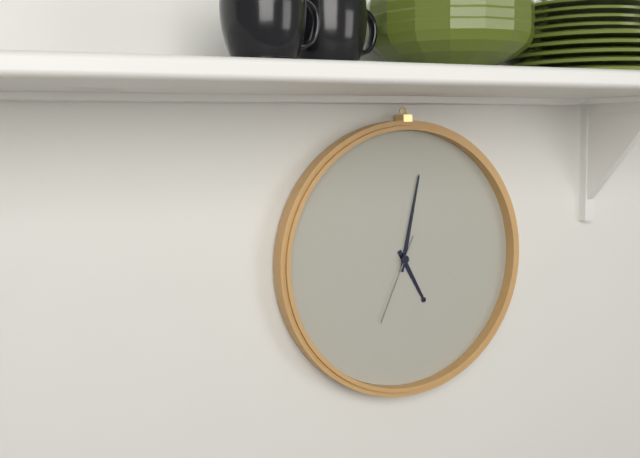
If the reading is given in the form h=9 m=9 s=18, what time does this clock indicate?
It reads h=5 m=2 s=34
